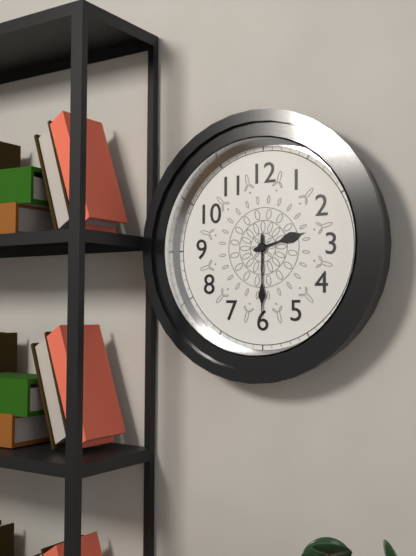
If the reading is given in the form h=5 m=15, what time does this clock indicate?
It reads h=2 m=30
